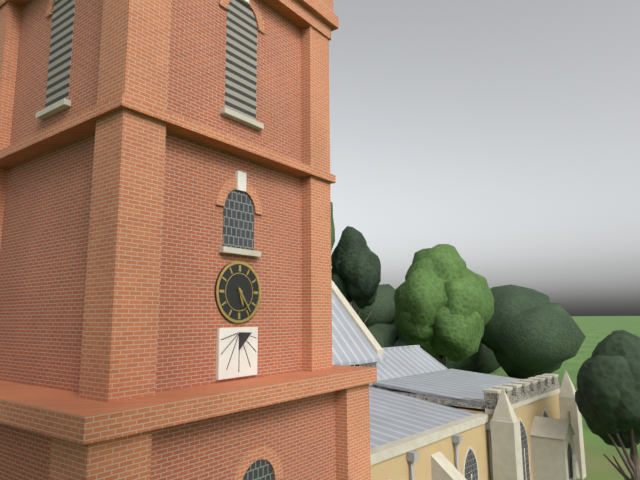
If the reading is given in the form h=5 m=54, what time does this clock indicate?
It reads h=5 m=24
